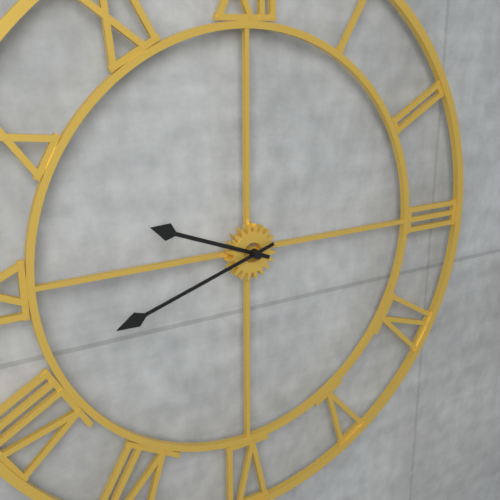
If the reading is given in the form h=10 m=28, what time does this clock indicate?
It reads h=9 m=42
